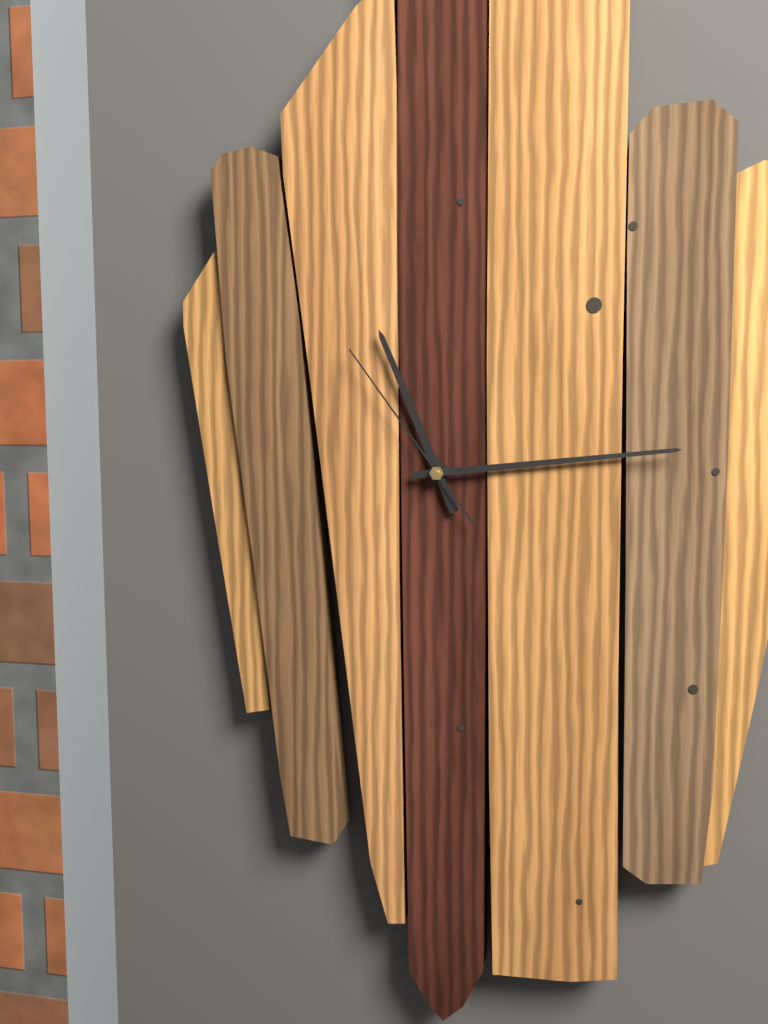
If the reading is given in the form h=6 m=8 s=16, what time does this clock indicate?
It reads h=11 m=14 s=54
